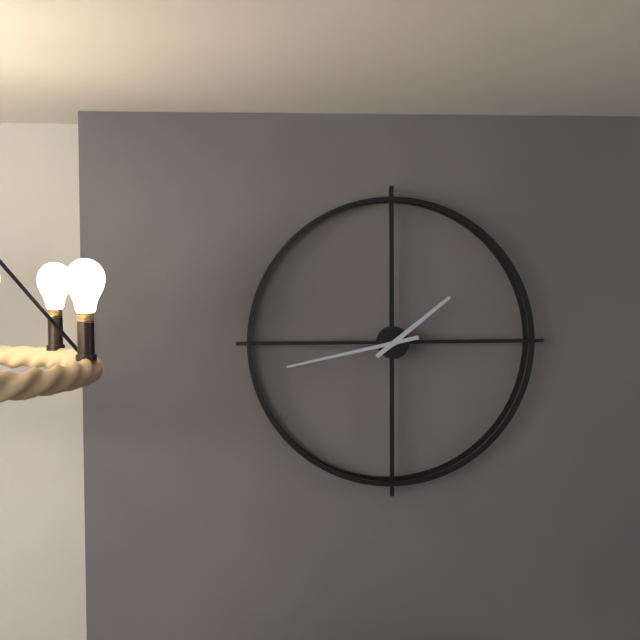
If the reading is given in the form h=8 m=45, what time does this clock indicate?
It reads h=1 m=43
